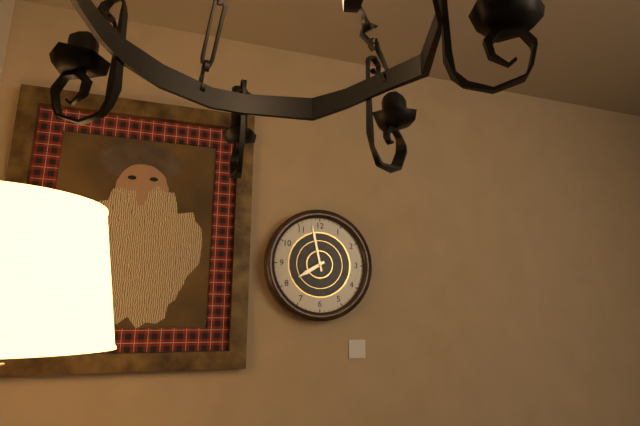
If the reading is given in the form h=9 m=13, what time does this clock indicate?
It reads h=7 m=58
